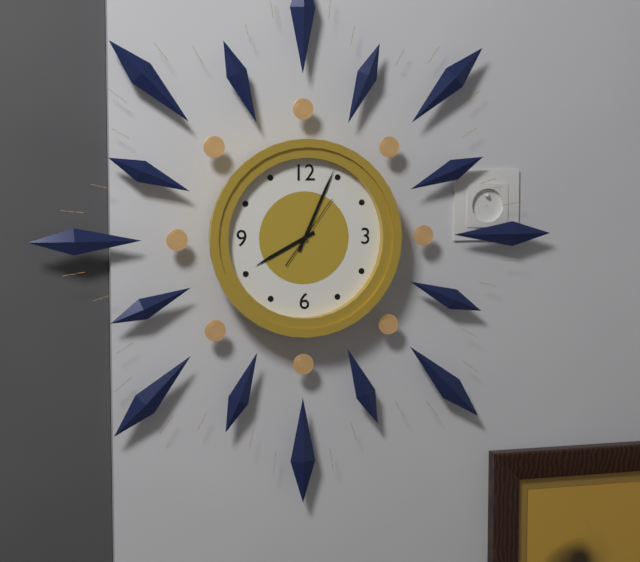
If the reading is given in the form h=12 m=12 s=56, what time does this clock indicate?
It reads h=8 m=4 s=6
